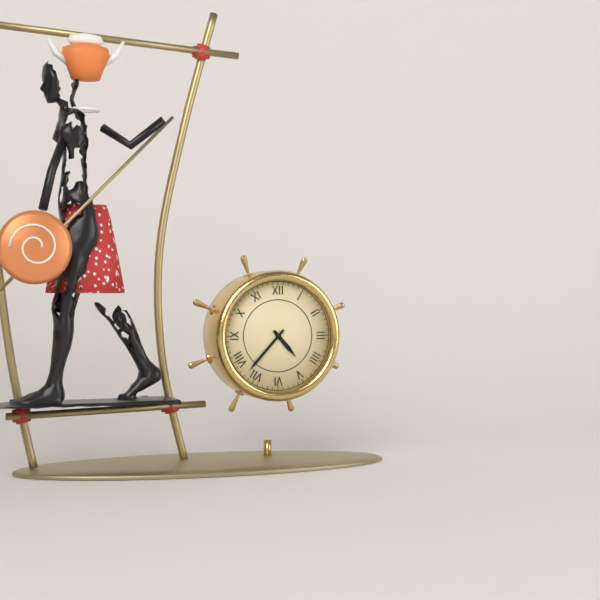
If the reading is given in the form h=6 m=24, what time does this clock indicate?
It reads h=4 m=37
